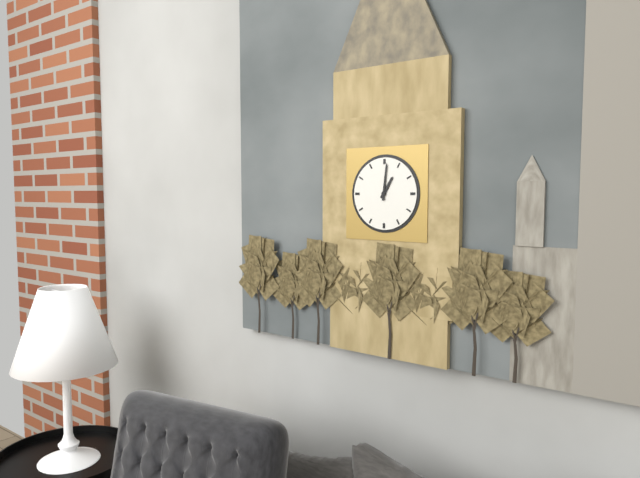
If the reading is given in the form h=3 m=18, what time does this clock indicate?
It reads h=1 m=1
